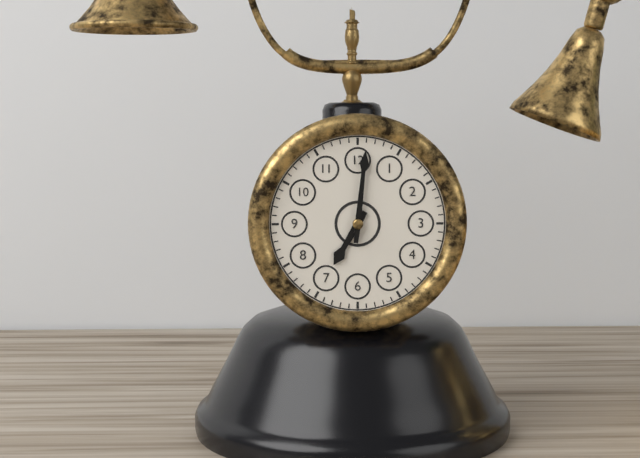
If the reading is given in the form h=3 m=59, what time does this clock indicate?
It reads h=7 m=1
